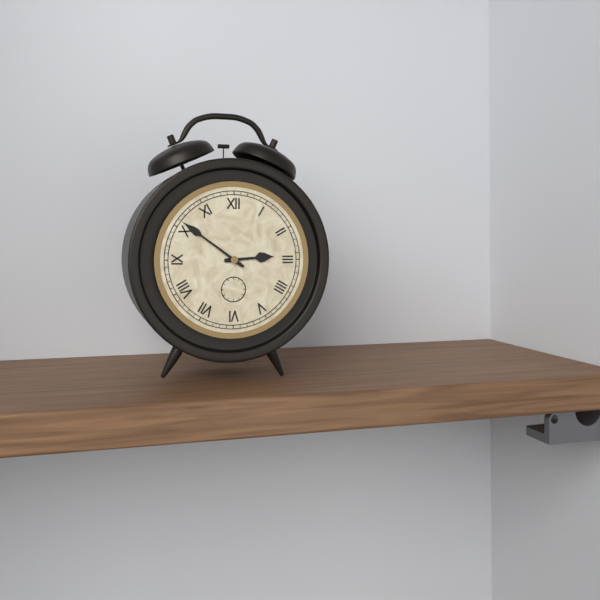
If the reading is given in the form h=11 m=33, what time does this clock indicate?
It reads h=2 m=51
